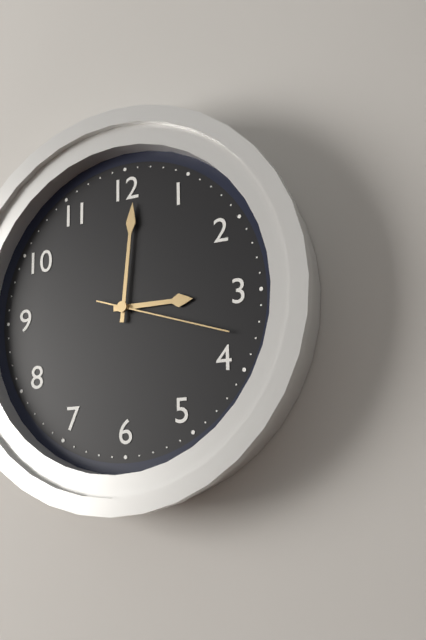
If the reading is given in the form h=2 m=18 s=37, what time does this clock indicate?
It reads h=3 m=1 s=18
